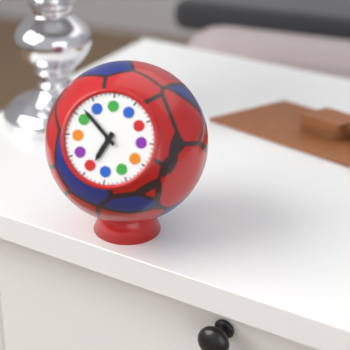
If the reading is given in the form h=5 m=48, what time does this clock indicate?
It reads h=6 m=52
